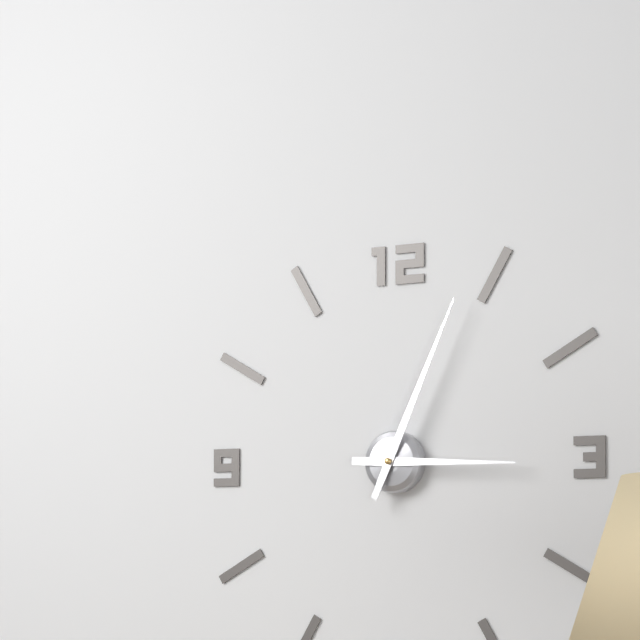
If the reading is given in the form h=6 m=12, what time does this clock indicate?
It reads h=3 m=4
